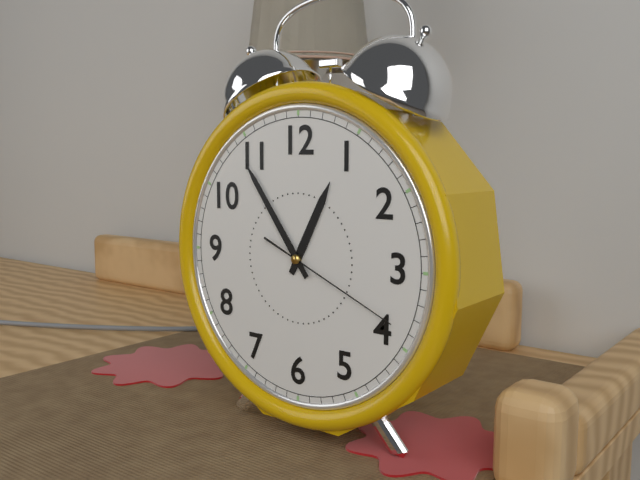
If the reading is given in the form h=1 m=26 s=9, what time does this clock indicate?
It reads h=12 m=54 s=19
